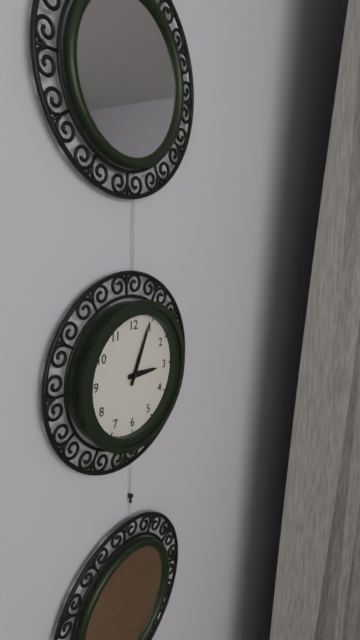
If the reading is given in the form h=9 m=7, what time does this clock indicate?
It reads h=3 m=4
